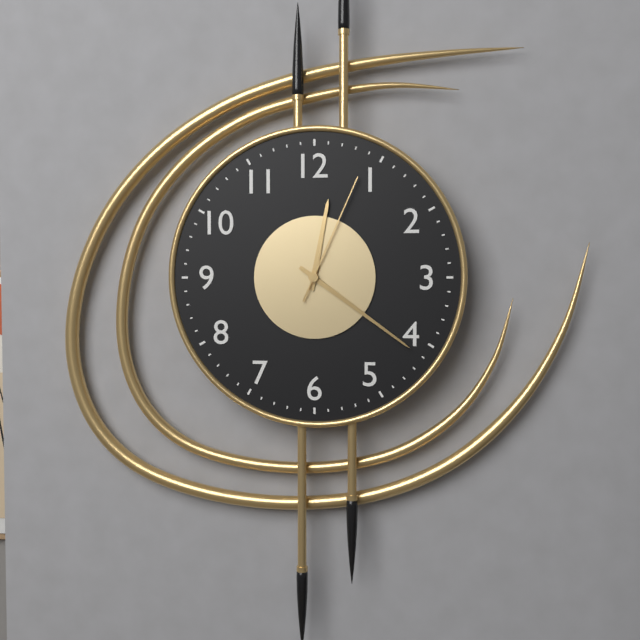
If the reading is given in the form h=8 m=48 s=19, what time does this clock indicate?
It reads h=12 m=21 s=4
